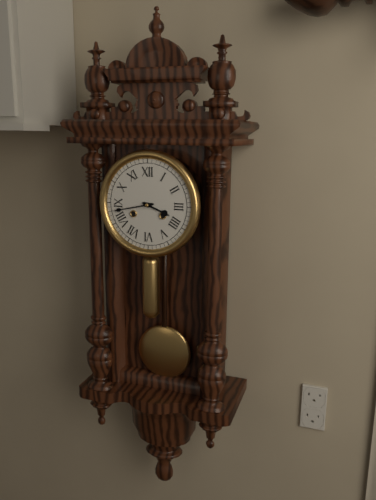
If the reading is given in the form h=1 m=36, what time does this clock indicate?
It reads h=3 m=43
